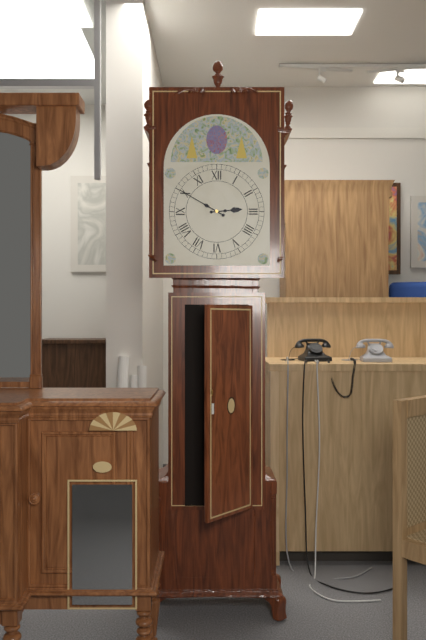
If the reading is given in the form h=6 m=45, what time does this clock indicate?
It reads h=2 m=50
